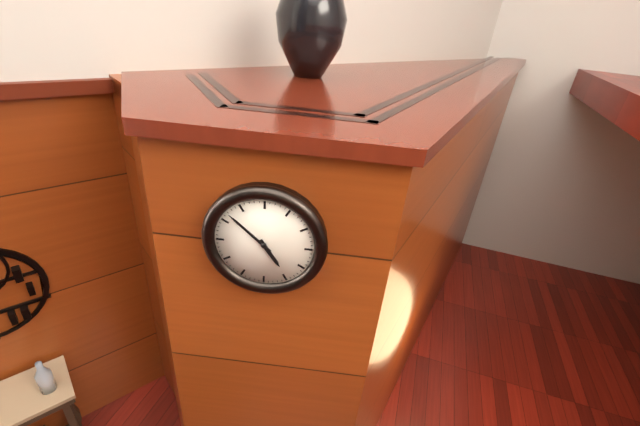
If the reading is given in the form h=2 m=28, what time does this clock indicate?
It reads h=4 m=52
